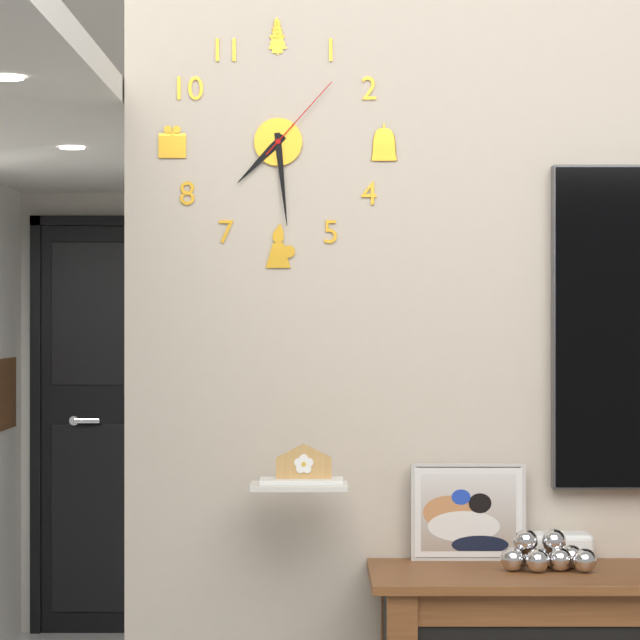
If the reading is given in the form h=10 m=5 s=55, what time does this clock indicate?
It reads h=7 m=29 s=7
